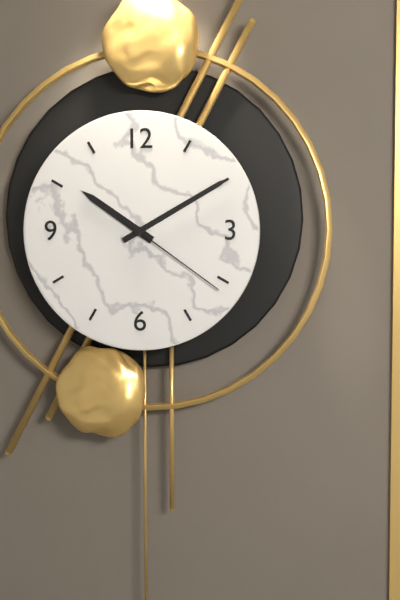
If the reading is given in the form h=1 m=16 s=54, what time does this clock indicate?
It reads h=10 m=10 s=21
